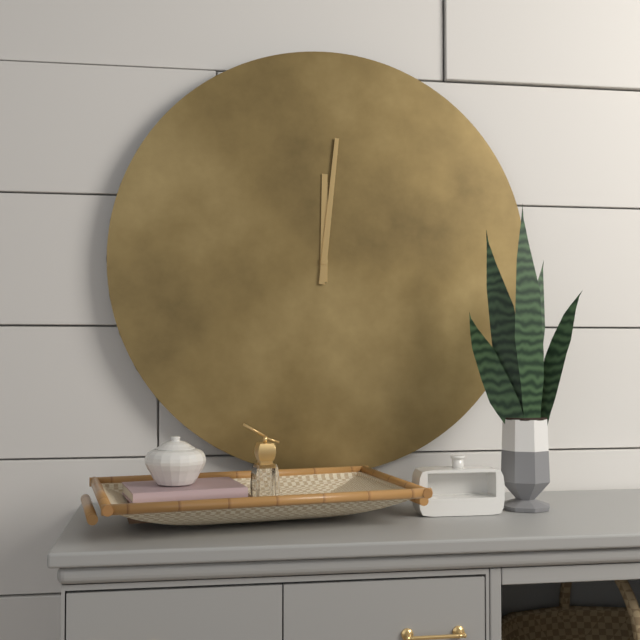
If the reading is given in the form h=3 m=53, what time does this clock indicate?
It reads h=12 m=1
